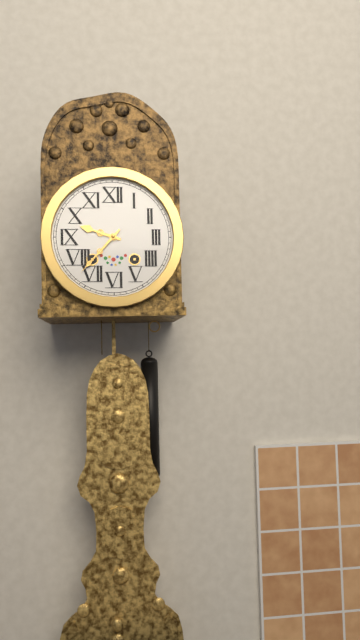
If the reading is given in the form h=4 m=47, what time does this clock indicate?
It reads h=9 m=37
